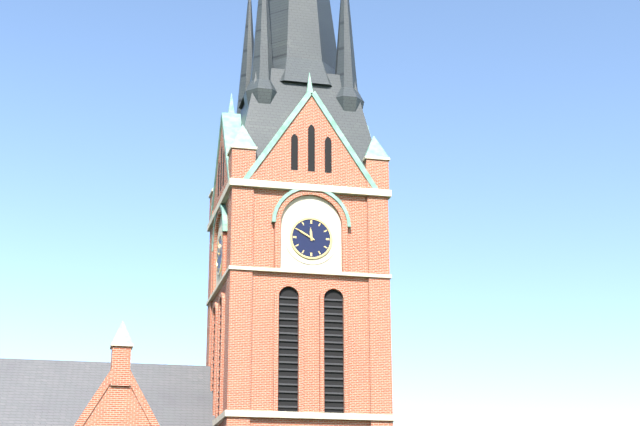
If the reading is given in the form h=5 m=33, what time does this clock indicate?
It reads h=11 m=50
